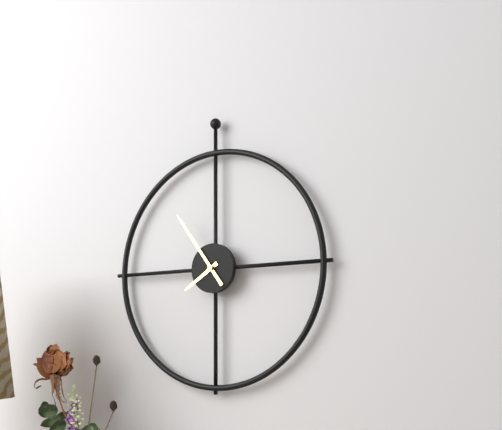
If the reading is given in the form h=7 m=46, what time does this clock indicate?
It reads h=7 m=54
